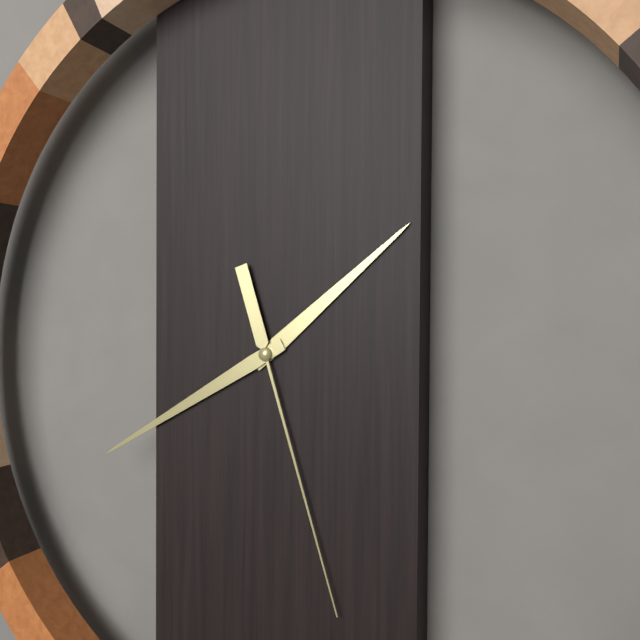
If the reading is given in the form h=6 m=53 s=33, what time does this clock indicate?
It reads h=1 m=40 s=27
